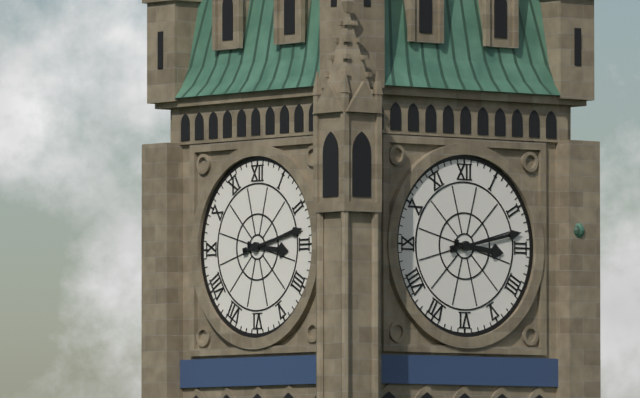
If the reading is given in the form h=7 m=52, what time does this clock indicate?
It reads h=3 m=13
